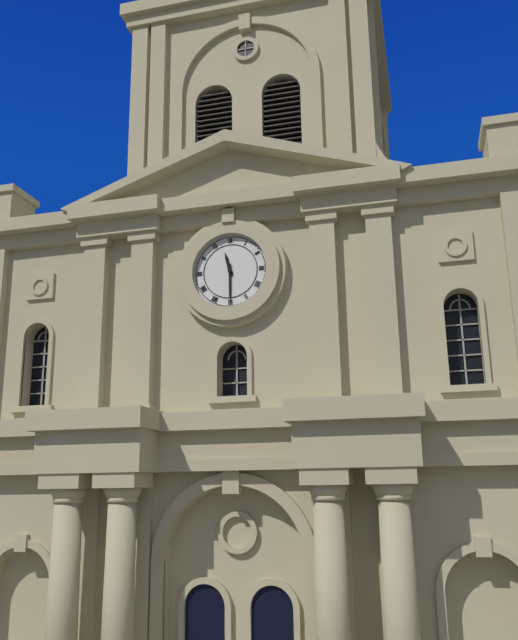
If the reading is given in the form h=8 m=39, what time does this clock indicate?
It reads h=11 m=30
